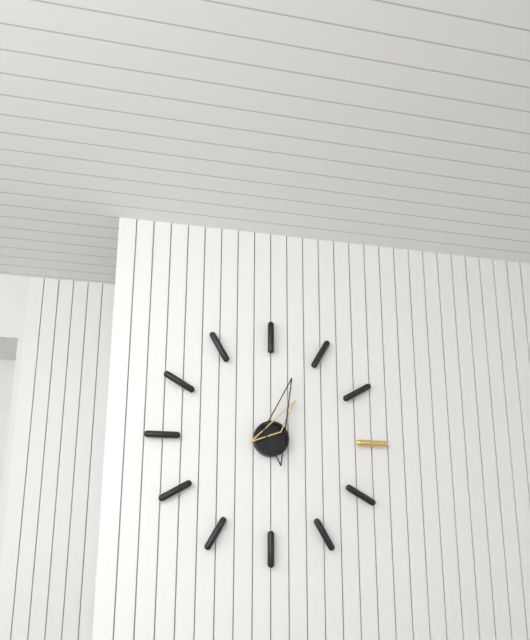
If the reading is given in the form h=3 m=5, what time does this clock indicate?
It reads h=1 m=3
